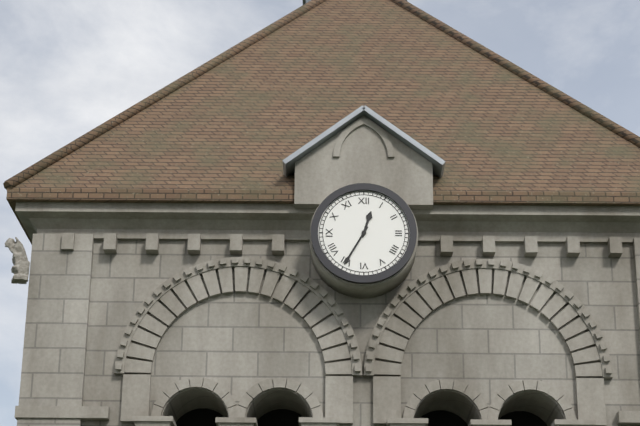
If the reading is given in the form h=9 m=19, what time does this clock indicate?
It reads h=12 m=35
